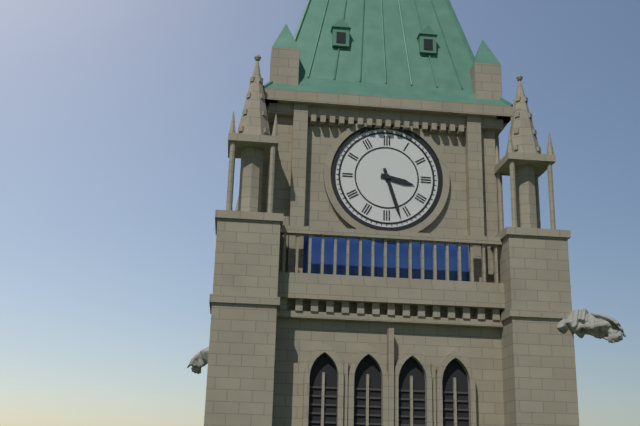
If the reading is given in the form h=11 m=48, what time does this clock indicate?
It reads h=3 m=27
